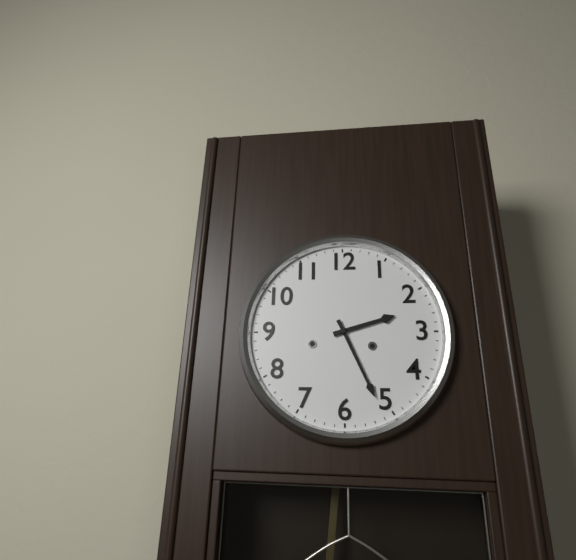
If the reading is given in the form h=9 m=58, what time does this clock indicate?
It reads h=2 m=26
